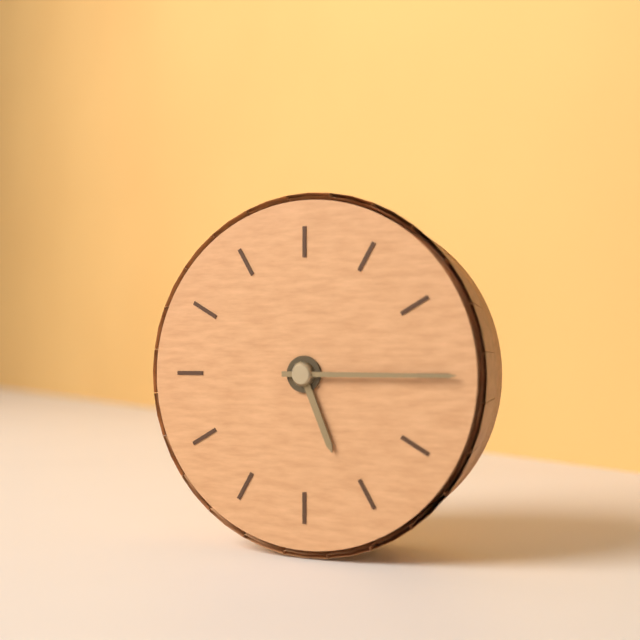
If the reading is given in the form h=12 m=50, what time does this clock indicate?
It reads h=5 m=15
